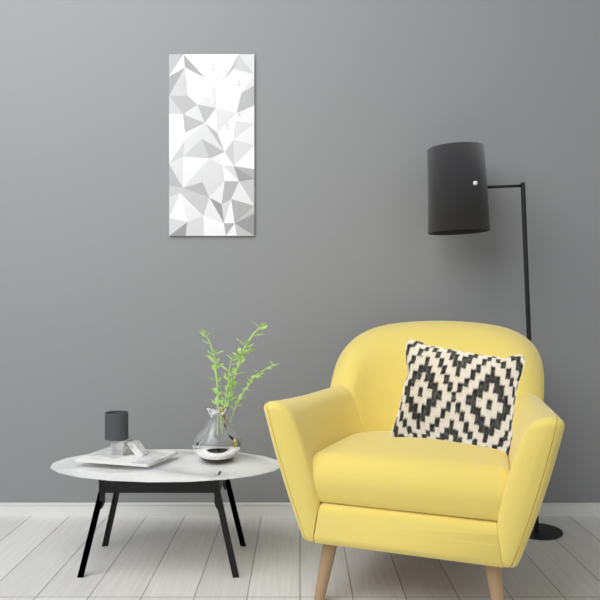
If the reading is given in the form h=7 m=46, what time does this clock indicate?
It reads h=9 m=59
